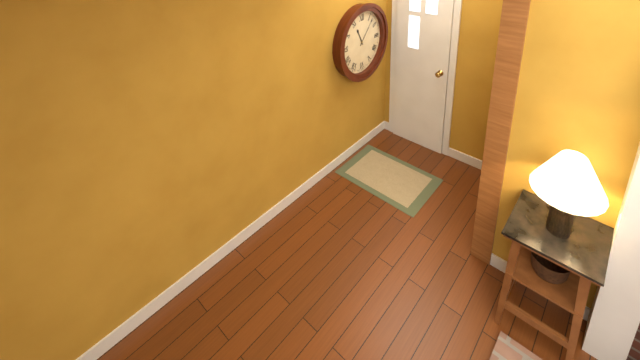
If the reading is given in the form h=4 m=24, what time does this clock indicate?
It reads h=11 m=7
